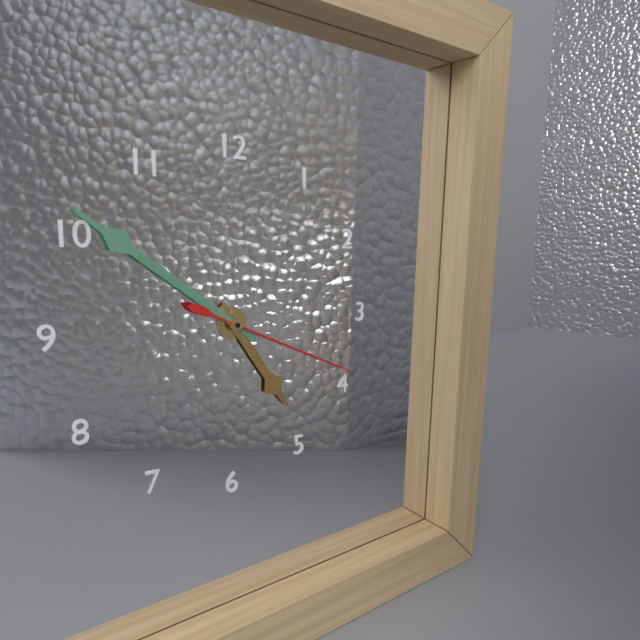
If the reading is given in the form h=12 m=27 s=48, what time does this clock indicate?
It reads h=4 m=51 s=19
